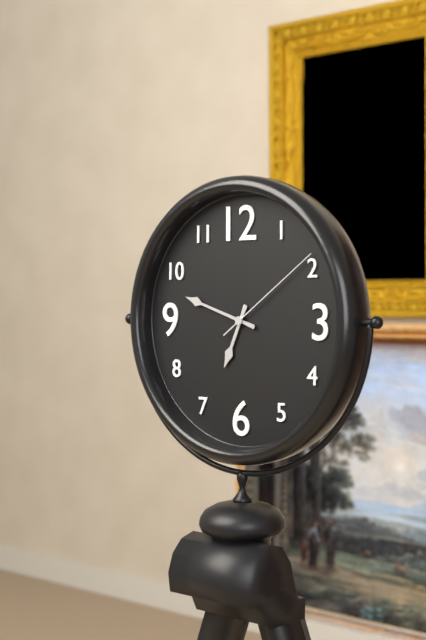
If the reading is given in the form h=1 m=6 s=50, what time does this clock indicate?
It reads h=6 m=48 s=9
